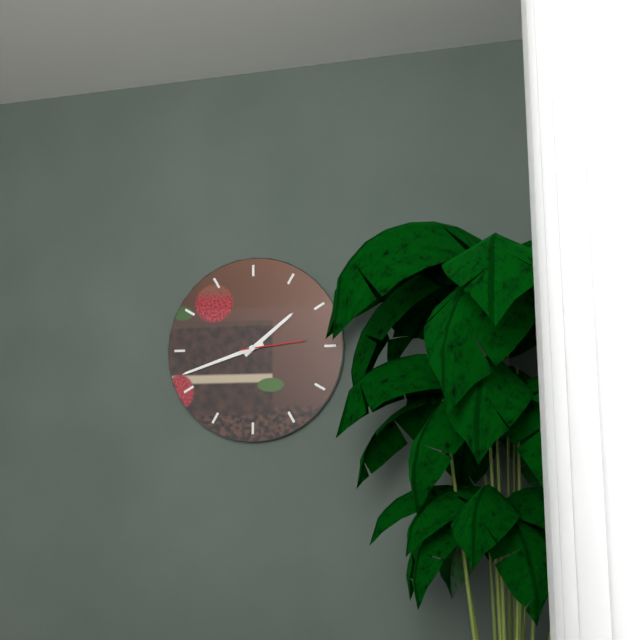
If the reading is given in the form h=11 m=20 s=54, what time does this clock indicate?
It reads h=1 m=42 s=14
